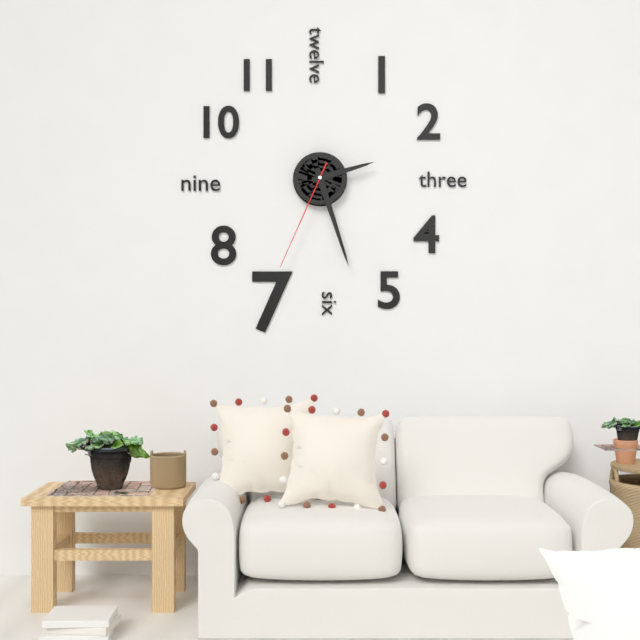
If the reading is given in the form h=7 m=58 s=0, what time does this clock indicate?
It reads h=2 m=27 s=34
